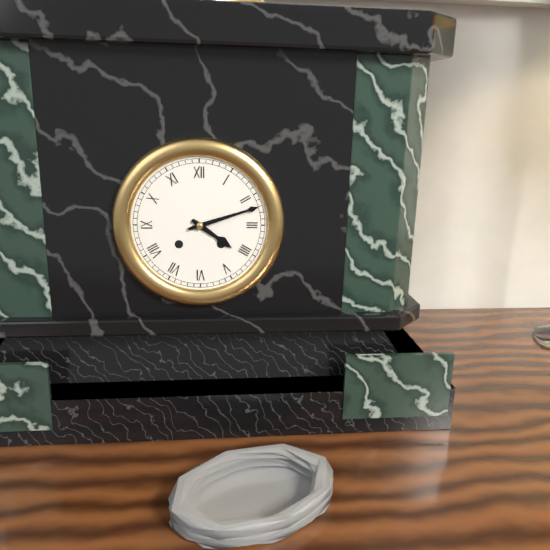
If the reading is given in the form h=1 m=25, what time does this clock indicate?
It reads h=4 m=12
